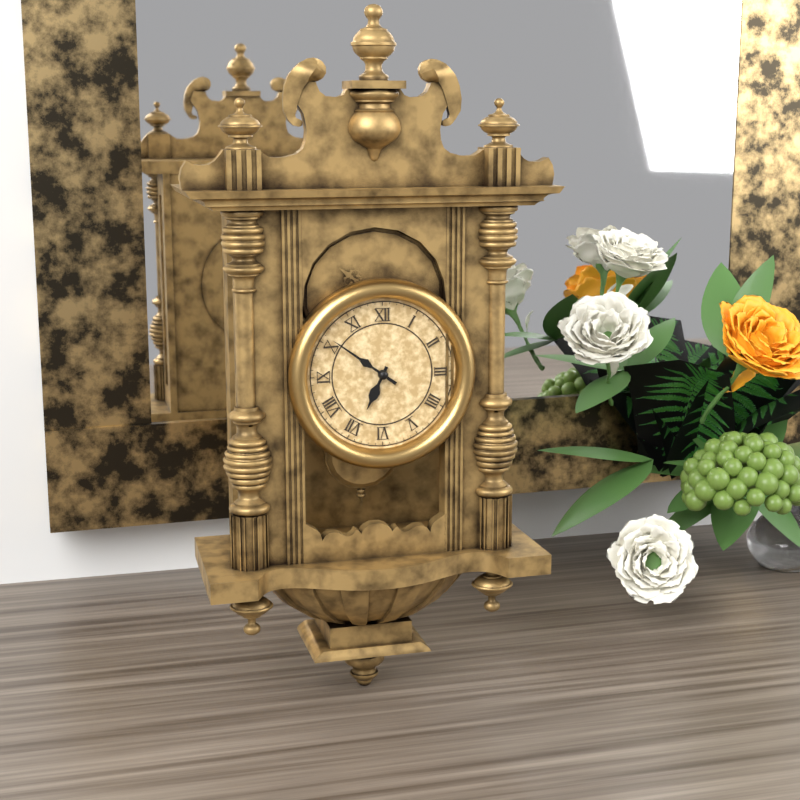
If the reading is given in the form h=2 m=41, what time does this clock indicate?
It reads h=6 m=51
